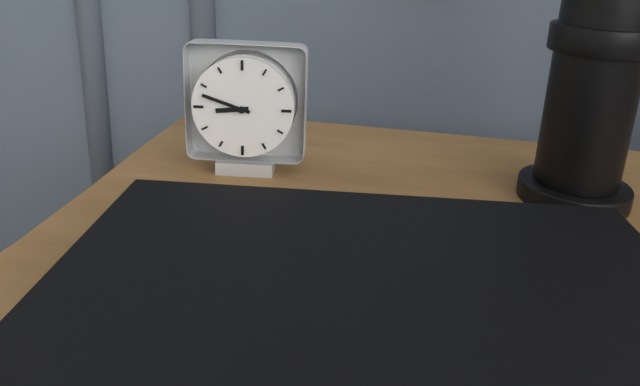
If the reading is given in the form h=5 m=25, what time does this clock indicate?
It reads h=8 m=48
